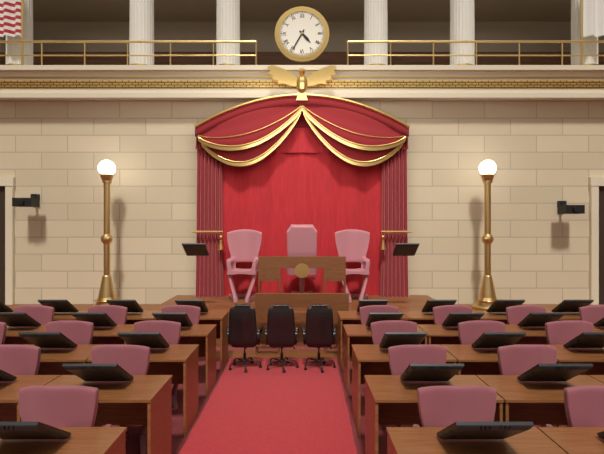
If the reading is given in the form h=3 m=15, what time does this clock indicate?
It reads h=4 m=35
